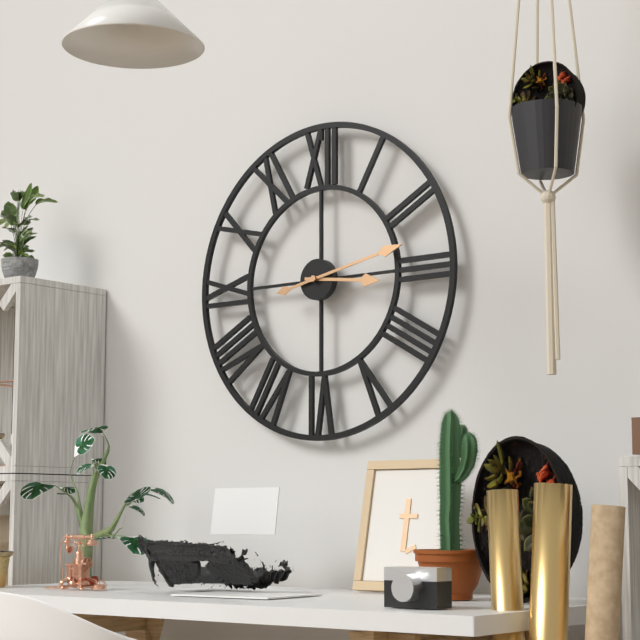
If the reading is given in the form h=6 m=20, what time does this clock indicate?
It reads h=3 m=13
